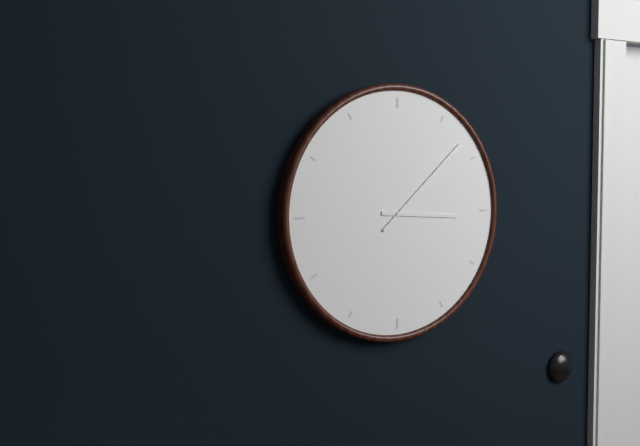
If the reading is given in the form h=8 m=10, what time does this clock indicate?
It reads h=3 m=8
